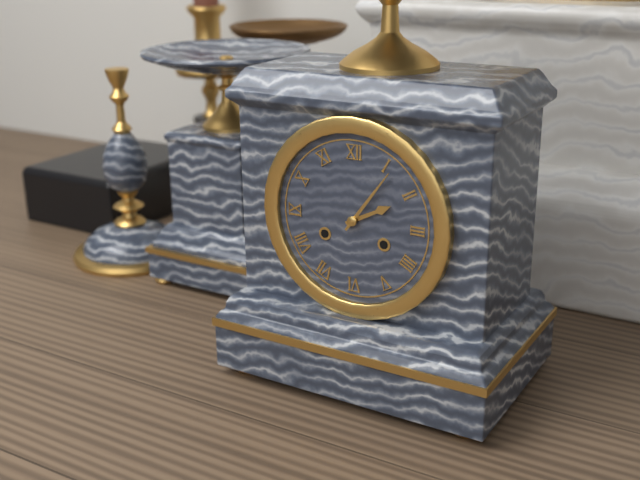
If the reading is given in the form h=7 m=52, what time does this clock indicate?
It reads h=2 m=6
